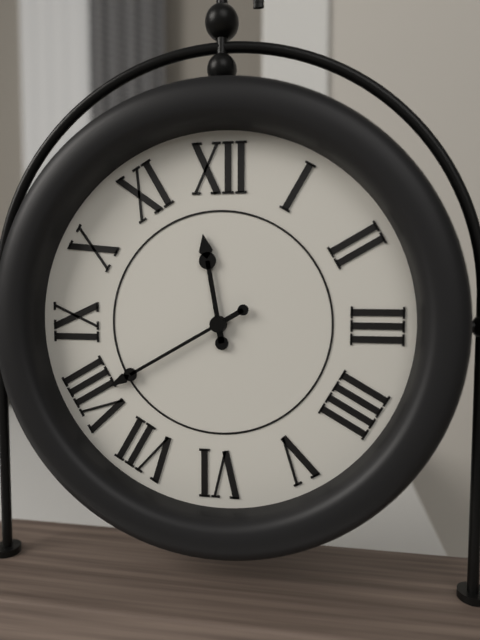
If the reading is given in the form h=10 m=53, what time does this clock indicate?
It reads h=11 m=40
